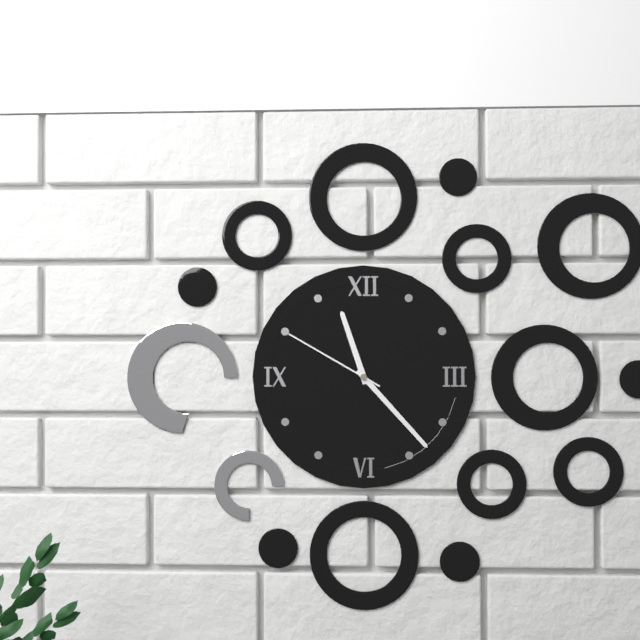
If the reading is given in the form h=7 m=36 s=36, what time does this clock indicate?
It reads h=11 m=23 s=50
